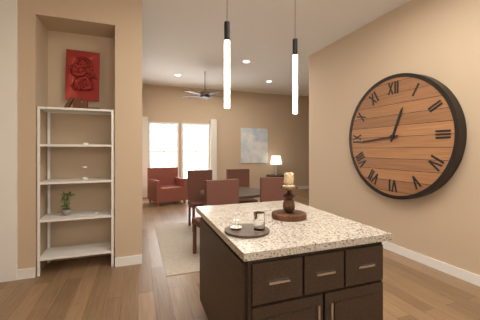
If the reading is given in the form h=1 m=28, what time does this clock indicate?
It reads h=12 m=44
